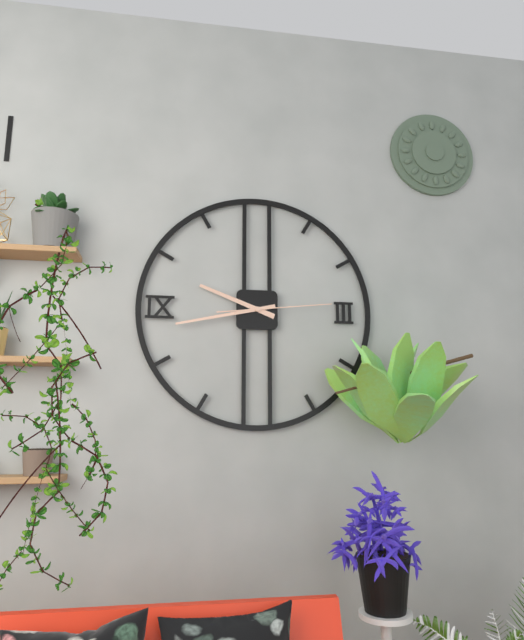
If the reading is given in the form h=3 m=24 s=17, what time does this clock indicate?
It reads h=9 m=43 s=14
